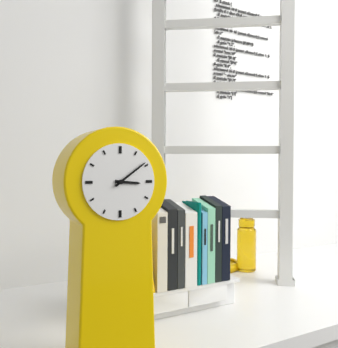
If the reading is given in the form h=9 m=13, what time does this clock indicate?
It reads h=3 m=9
